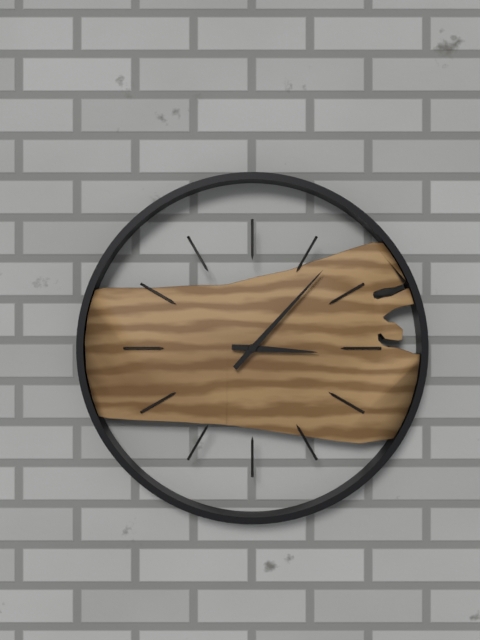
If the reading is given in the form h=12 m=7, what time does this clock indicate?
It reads h=3 m=7
